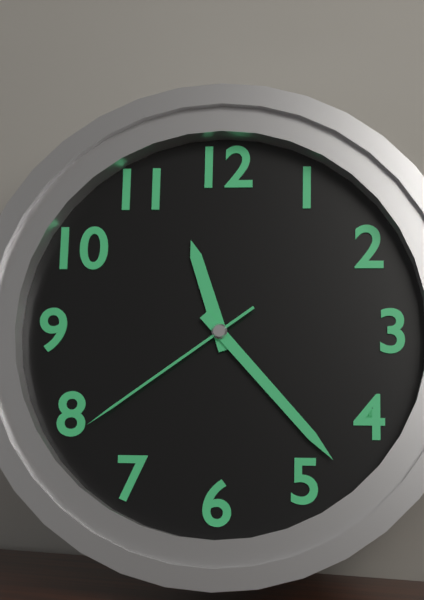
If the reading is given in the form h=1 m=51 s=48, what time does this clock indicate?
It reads h=11 m=23 s=39
